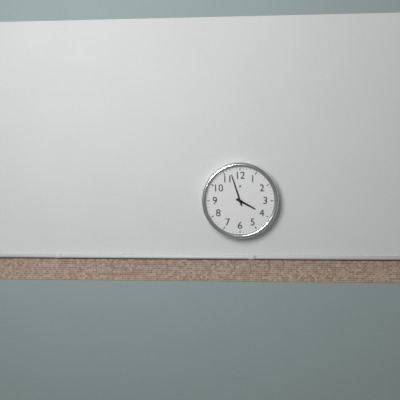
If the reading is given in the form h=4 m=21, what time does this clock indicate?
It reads h=3 m=57
